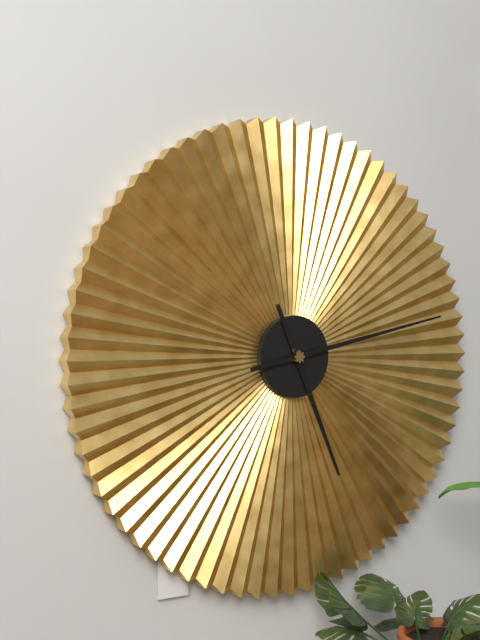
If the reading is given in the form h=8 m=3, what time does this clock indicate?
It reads h=5 m=13
